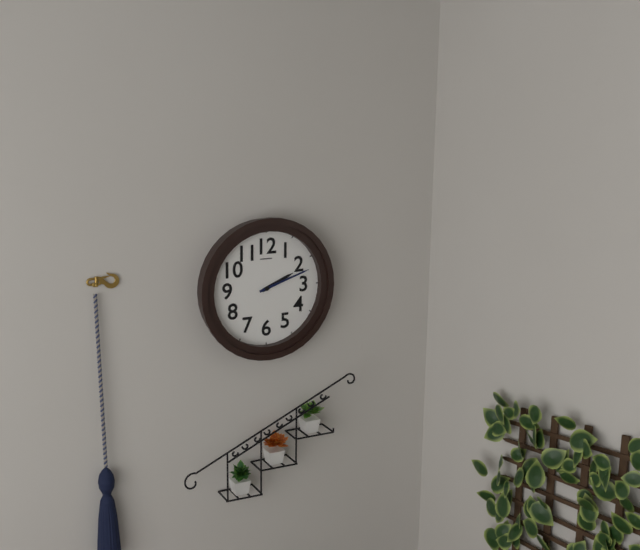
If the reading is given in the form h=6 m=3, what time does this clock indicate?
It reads h=2 m=12
